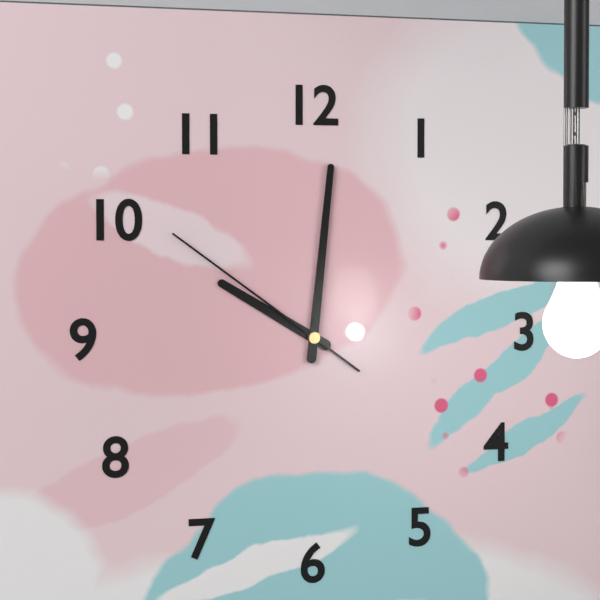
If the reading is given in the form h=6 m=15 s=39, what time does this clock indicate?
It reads h=10 m=1 s=51
